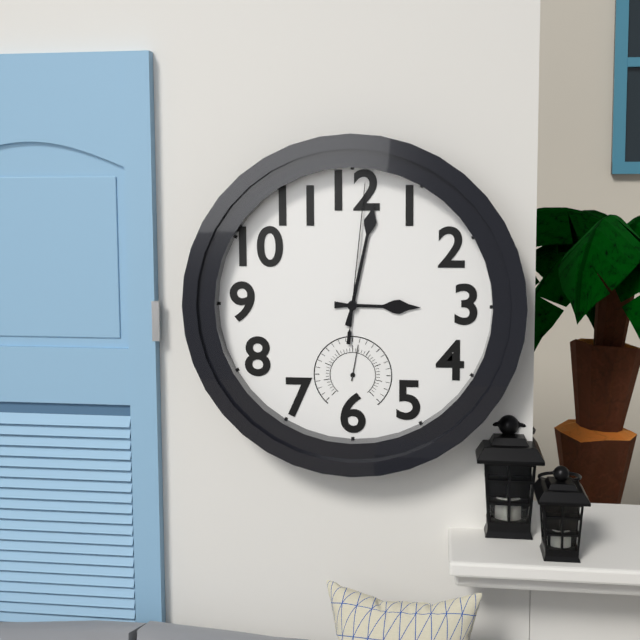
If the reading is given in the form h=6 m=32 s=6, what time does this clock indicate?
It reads h=3 m=2 s=1
